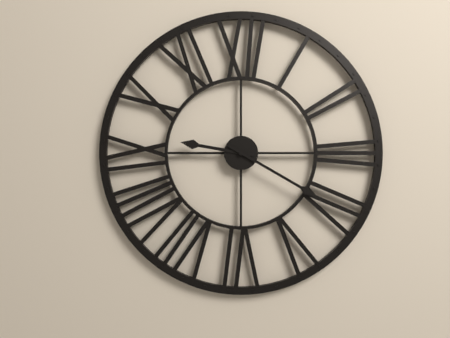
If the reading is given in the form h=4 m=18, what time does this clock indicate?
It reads h=9 m=20
